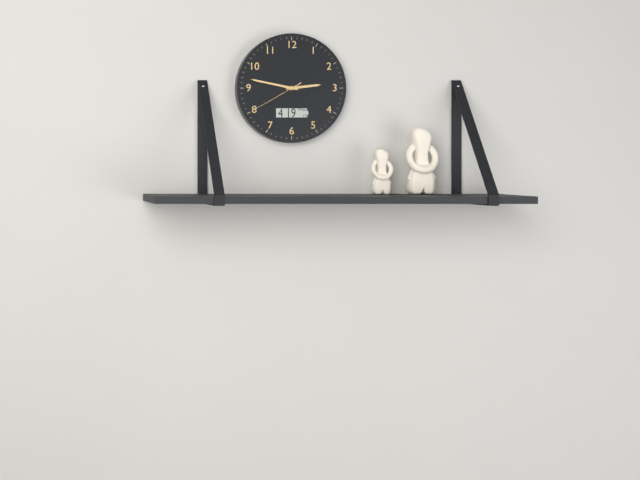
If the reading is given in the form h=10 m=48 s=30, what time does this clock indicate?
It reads h=2 m=47 s=40
